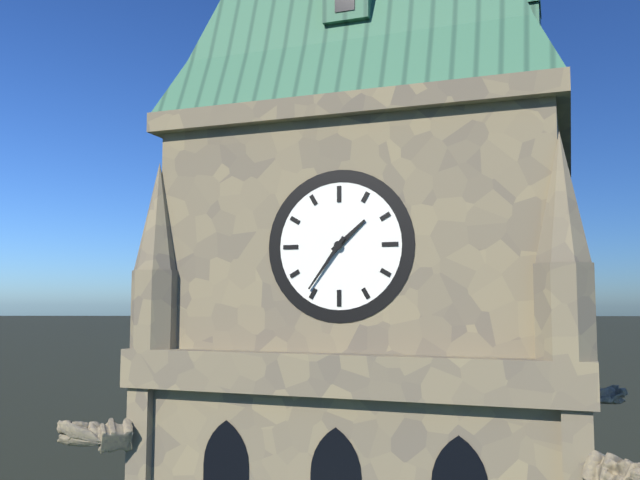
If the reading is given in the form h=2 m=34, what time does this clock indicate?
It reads h=1 m=36
